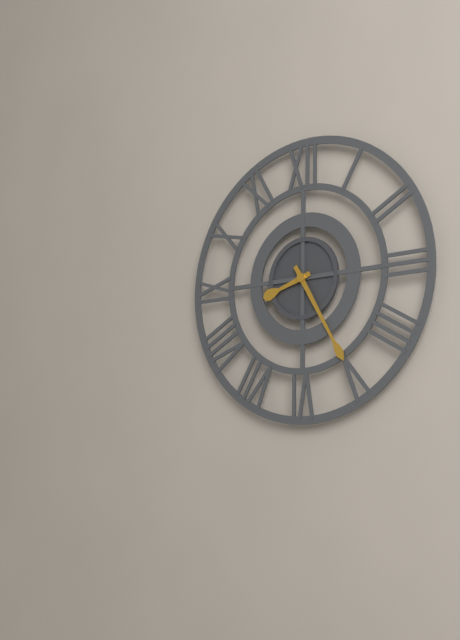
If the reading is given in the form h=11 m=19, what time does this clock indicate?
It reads h=8 m=25
